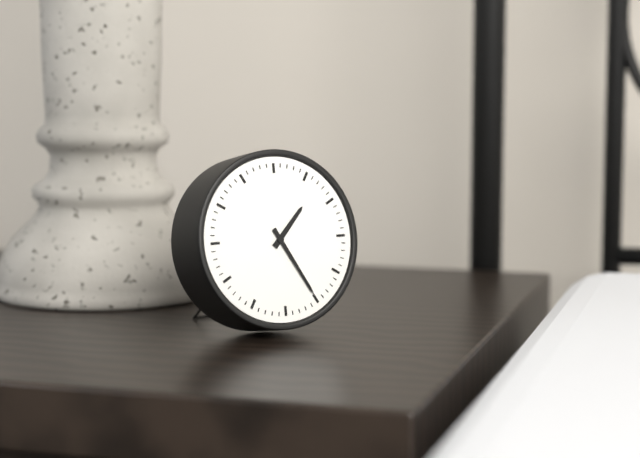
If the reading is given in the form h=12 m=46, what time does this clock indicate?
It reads h=1 m=25
